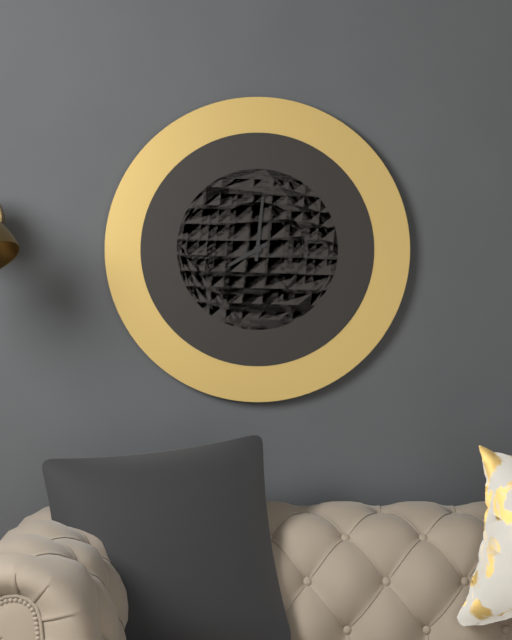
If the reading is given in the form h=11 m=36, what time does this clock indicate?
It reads h=8 m=1
